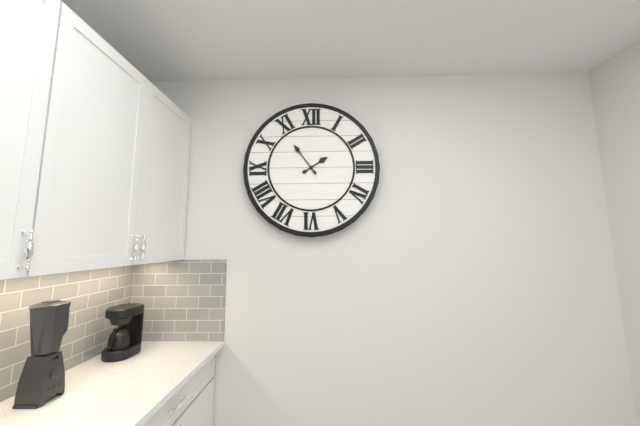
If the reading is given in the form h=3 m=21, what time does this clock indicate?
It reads h=1 m=54
